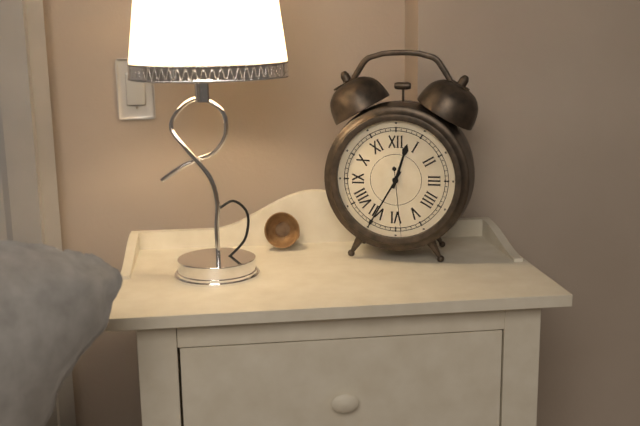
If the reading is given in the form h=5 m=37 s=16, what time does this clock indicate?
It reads h=12 m=35 s=29
